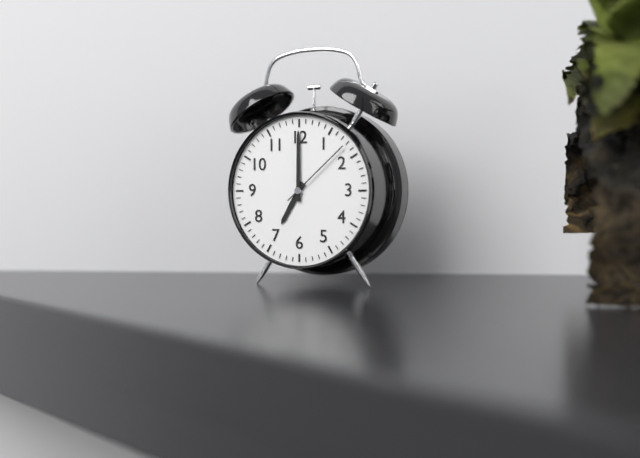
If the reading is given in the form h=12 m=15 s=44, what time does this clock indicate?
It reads h=7 m=0 s=8
